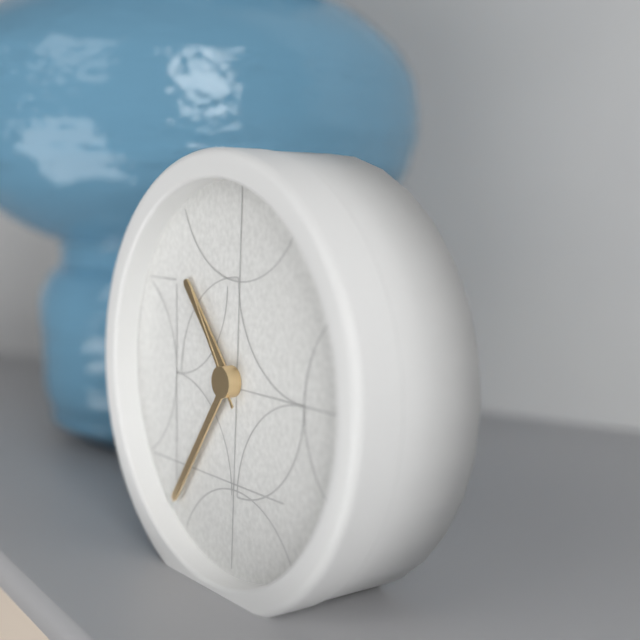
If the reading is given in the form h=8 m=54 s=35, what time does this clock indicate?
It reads h=10 m=36 s=54
